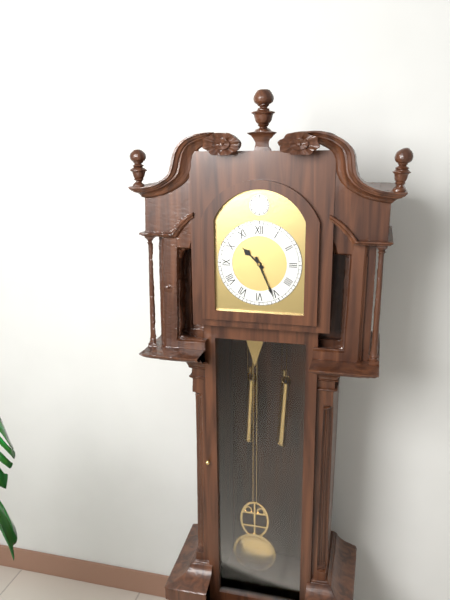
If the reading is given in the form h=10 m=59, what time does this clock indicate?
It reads h=10 m=26
